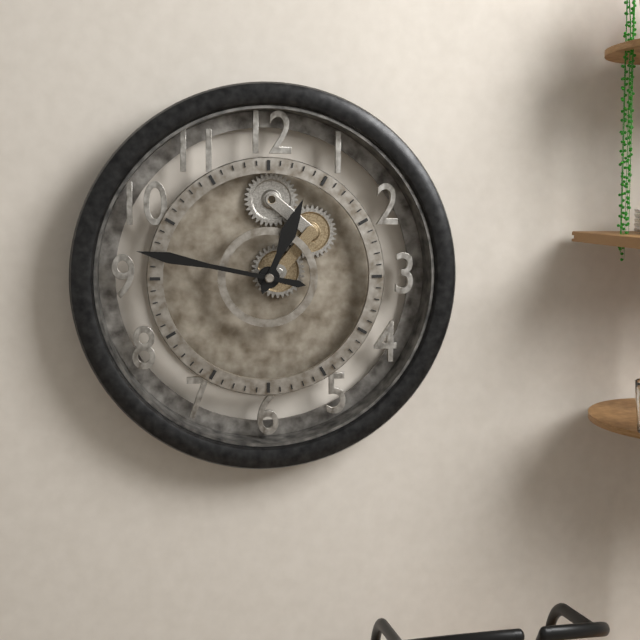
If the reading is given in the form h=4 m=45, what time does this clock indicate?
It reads h=12 m=47
